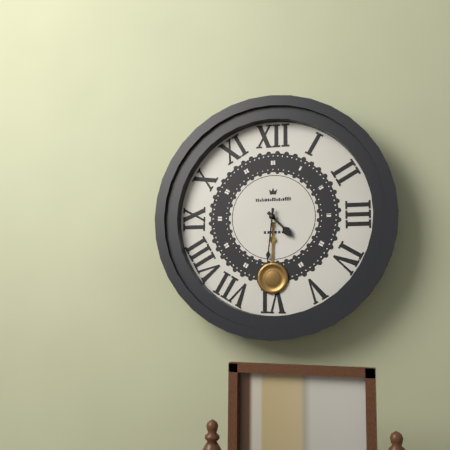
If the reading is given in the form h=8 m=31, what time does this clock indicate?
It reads h=4 m=31
